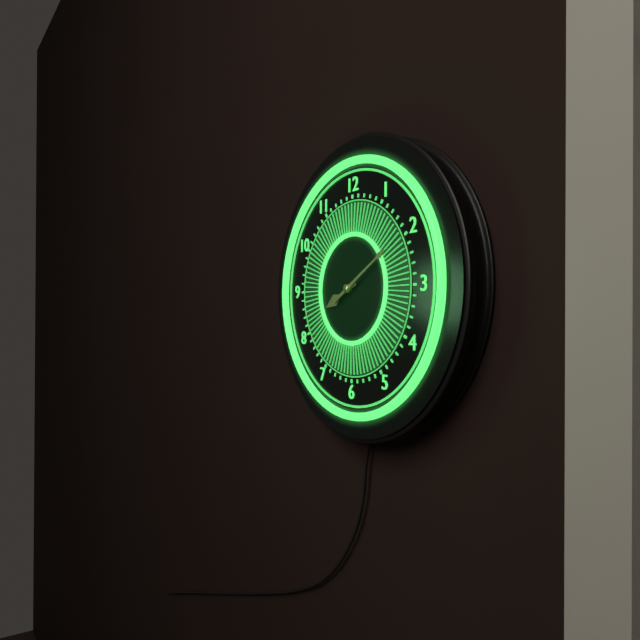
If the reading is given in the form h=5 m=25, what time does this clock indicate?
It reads h=8 m=10
